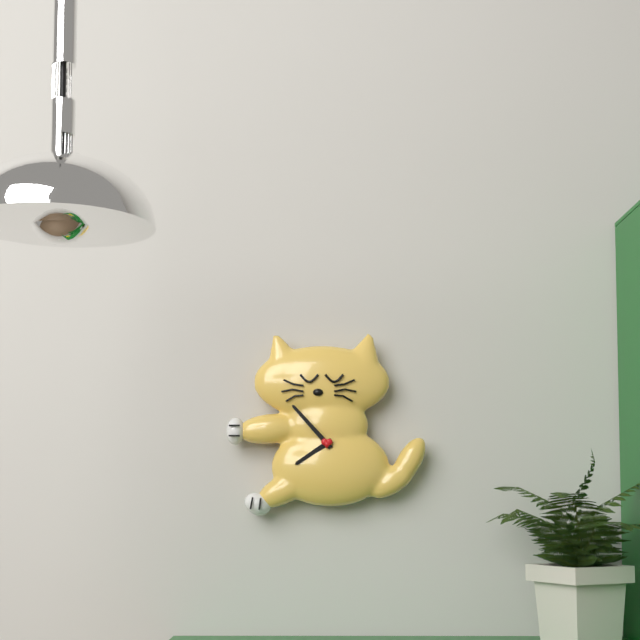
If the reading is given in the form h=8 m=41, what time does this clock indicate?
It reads h=7 m=53
